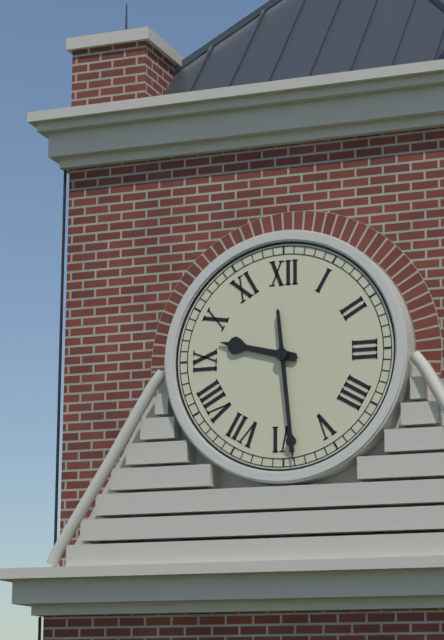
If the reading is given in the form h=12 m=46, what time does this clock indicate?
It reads h=9 m=29
